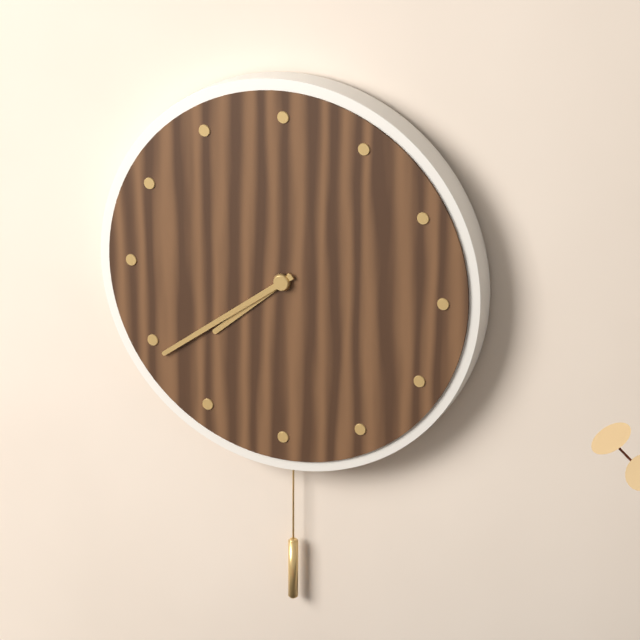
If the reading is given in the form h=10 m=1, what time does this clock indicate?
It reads h=7 m=39
